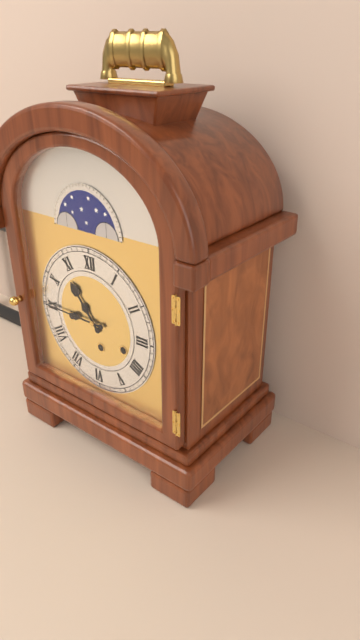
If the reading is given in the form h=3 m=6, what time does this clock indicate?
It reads h=10 m=45
